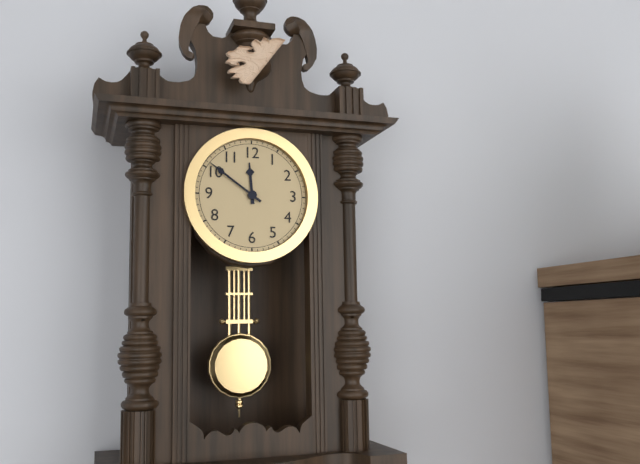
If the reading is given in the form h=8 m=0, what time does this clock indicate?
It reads h=11 m=51
